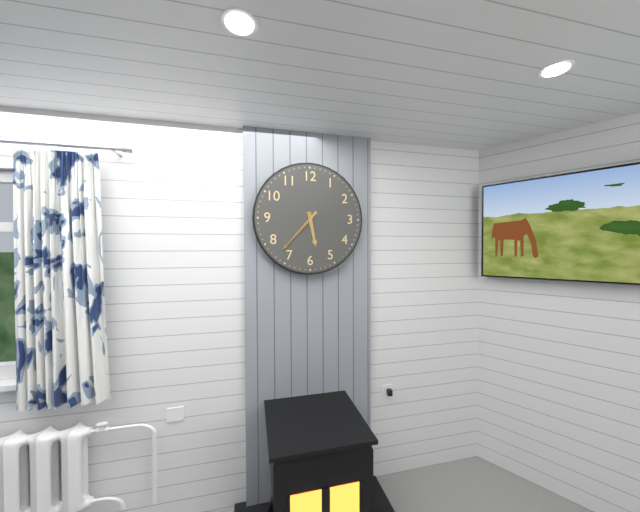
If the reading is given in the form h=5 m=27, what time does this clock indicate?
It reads h=5 m=37
